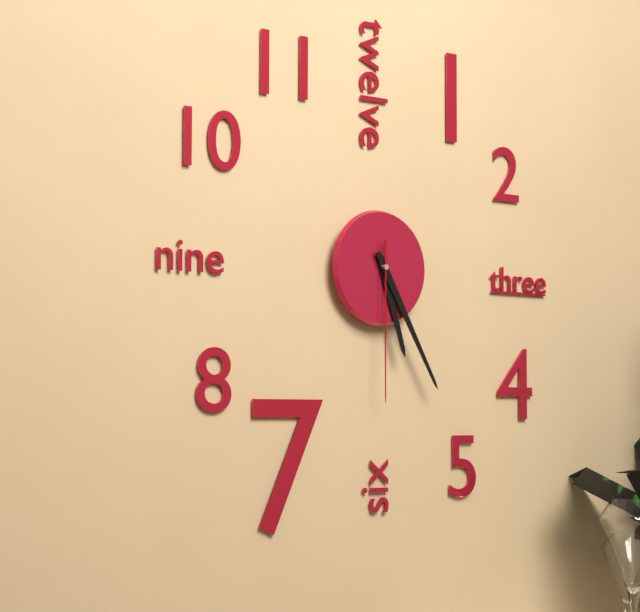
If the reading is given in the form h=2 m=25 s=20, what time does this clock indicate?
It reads h=5 m=25 s=30
